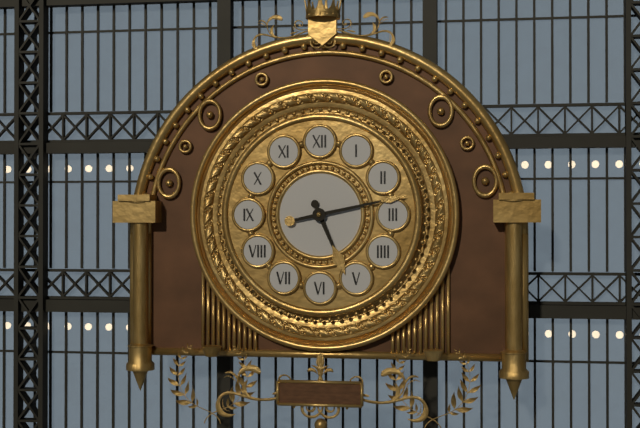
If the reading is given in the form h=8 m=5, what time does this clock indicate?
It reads h=5 m=13
